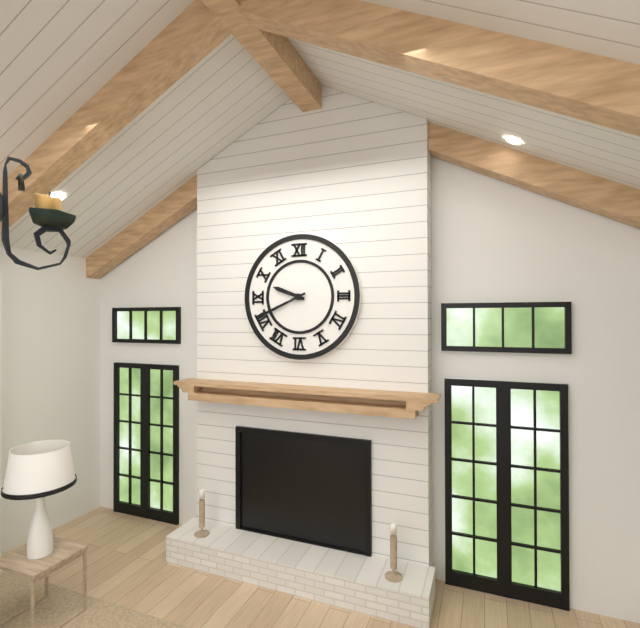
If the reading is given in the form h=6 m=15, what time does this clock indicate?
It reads h=9 m=41
